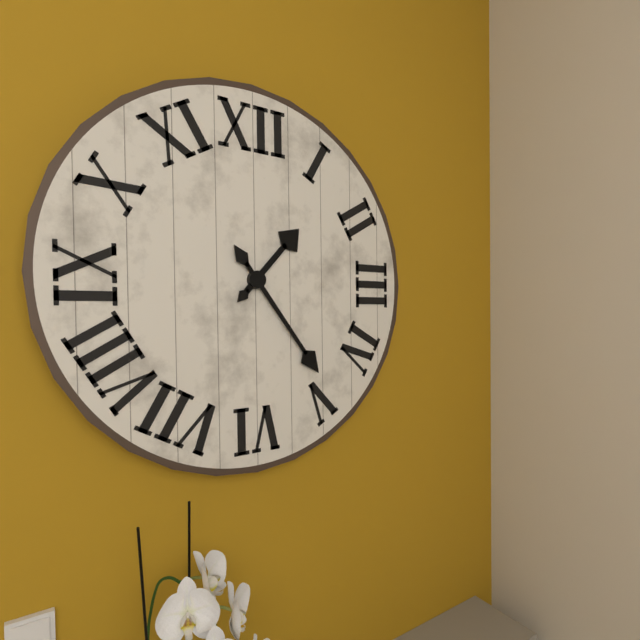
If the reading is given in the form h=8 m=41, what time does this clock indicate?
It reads h=1 m=24
